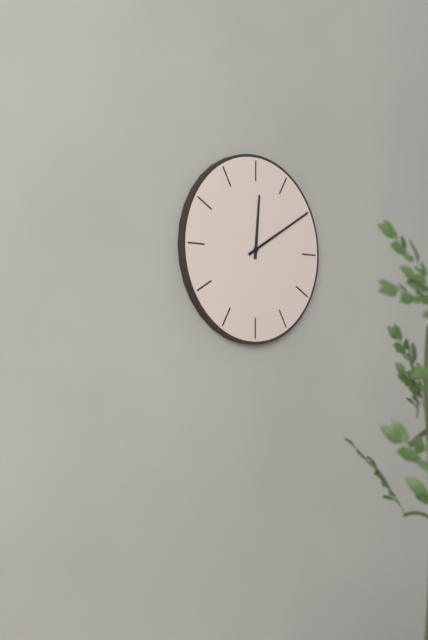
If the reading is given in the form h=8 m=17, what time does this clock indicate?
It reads h=12 m=10
